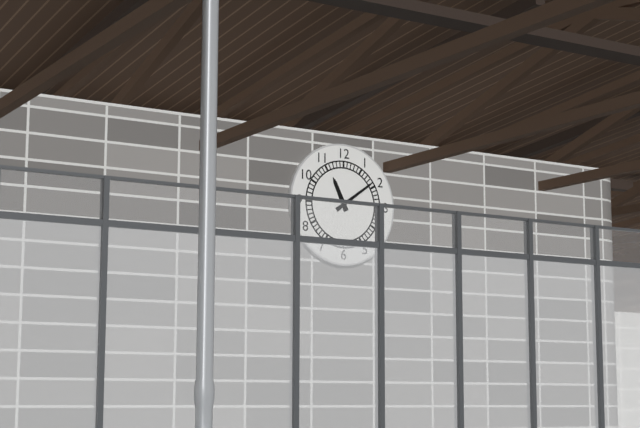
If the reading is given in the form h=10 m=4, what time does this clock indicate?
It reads h=11 m=9
